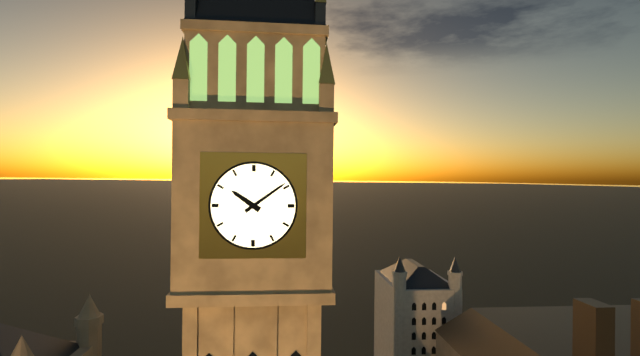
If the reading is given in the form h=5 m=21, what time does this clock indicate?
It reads h=10 m=9
